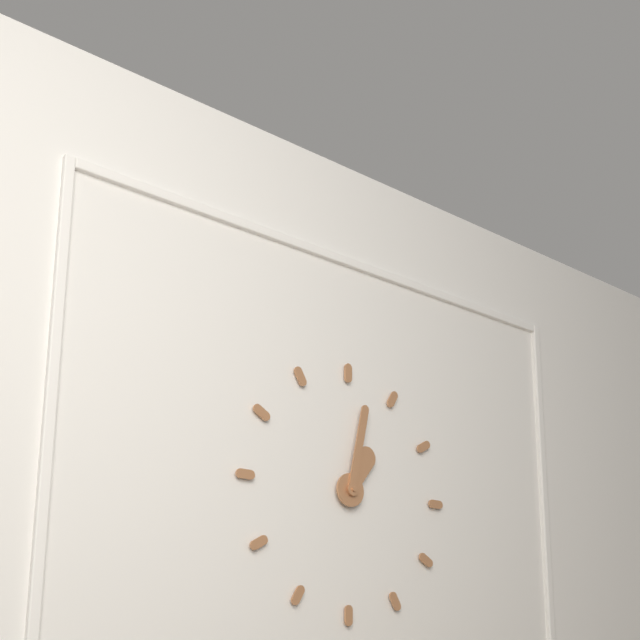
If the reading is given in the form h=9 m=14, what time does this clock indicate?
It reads h=1 m=2
